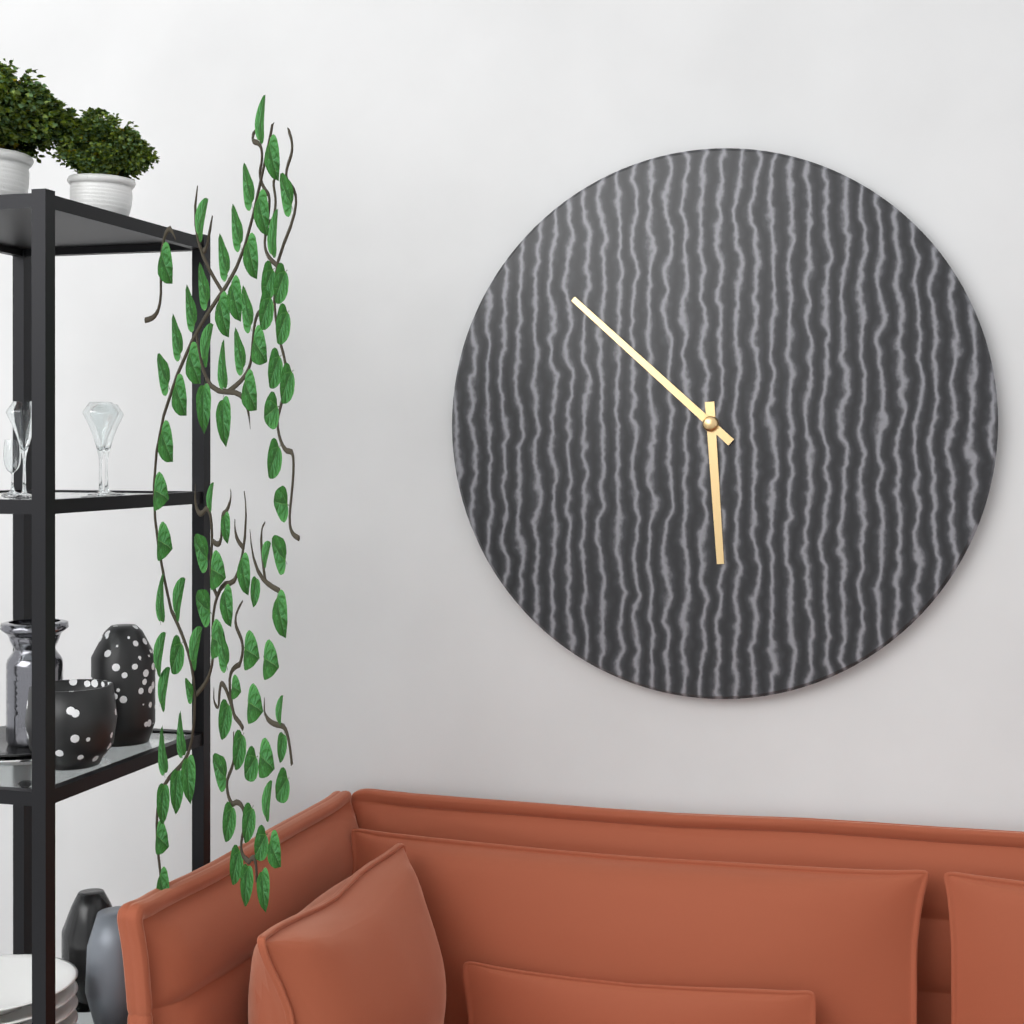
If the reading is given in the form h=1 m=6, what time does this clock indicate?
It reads h=5 m=52
